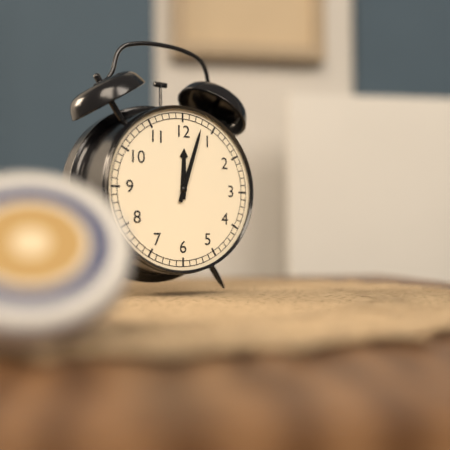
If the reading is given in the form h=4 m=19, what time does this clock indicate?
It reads h=12 m=3
